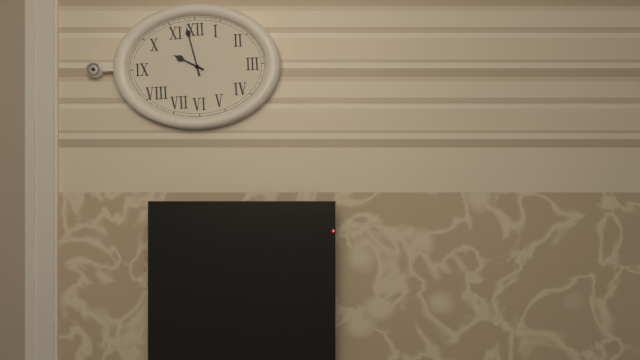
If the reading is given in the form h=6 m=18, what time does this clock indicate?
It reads h=9 m=58
